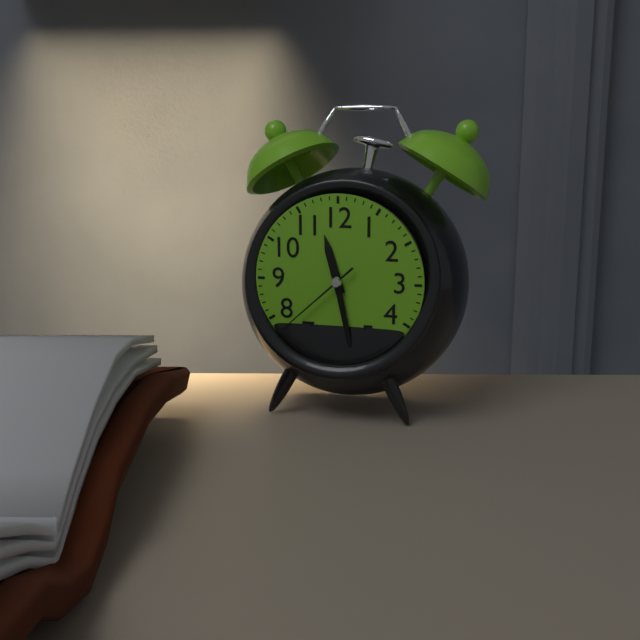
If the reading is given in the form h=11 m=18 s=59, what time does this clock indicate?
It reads h=11 m=28 s=38
